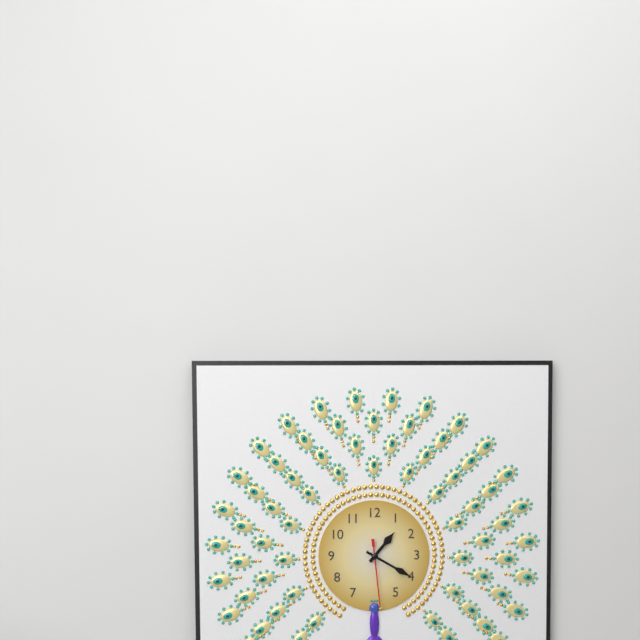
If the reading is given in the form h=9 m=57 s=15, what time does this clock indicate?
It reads h=1 m=20 s=29
